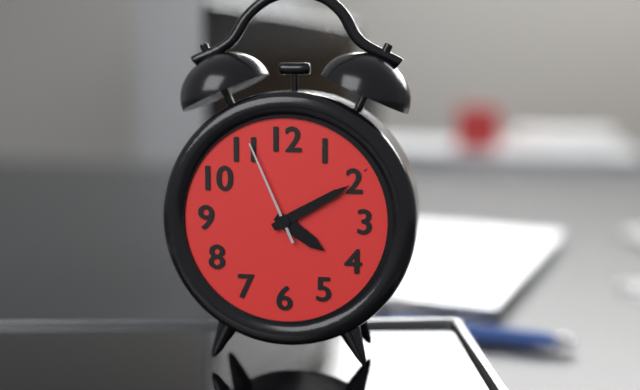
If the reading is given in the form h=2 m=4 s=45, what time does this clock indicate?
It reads h=4 m=10 s=56
